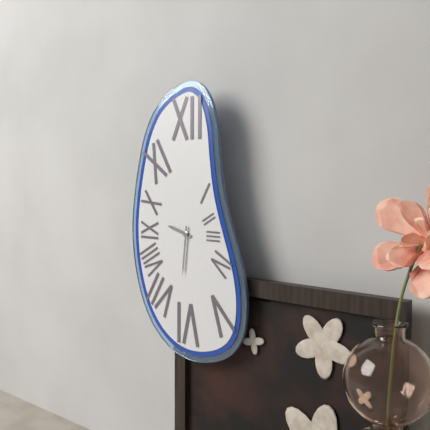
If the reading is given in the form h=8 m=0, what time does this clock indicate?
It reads h=9 m=31
